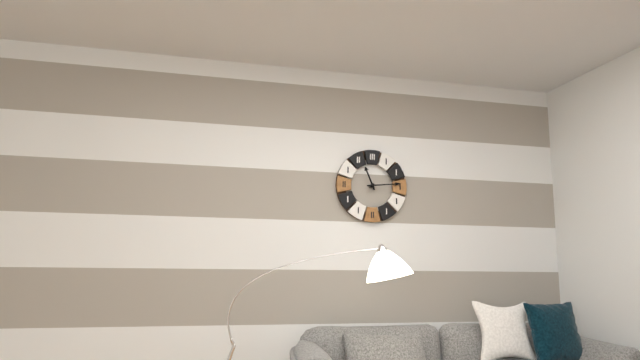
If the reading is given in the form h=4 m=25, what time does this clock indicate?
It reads h=11 m=14
